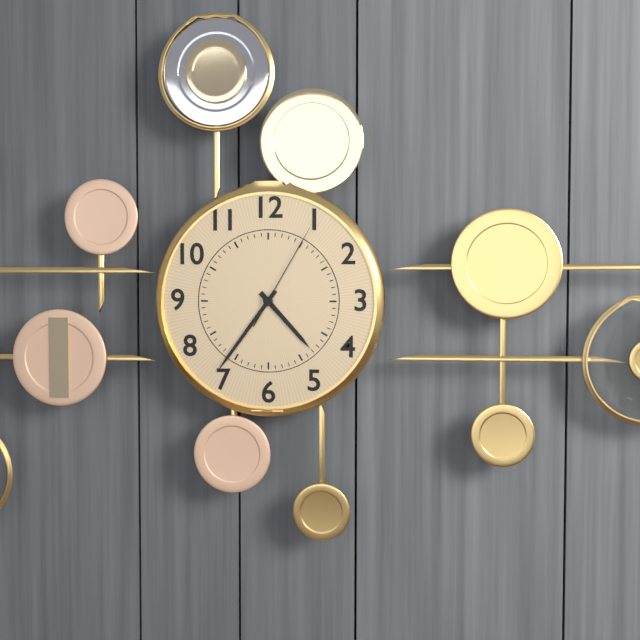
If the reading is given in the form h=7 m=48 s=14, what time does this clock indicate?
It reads h=4 m=36 s=5
